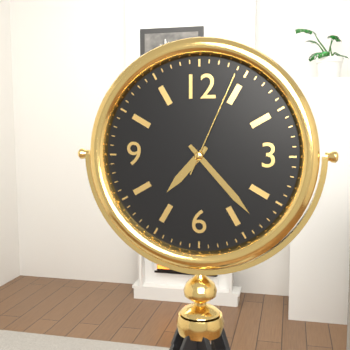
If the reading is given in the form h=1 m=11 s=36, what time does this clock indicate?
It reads h=7 m=23 s=4
